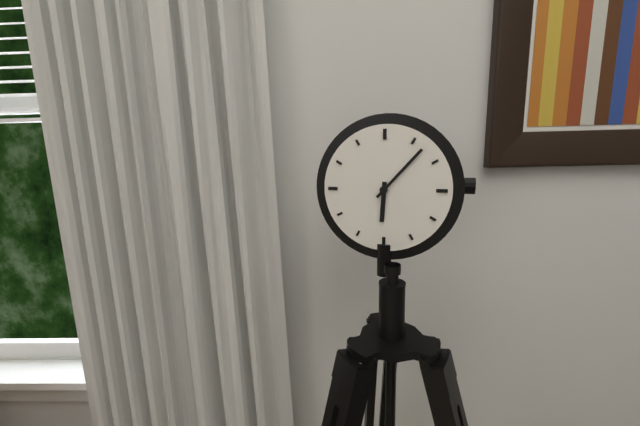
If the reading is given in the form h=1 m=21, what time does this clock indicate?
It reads h=6 m=7
